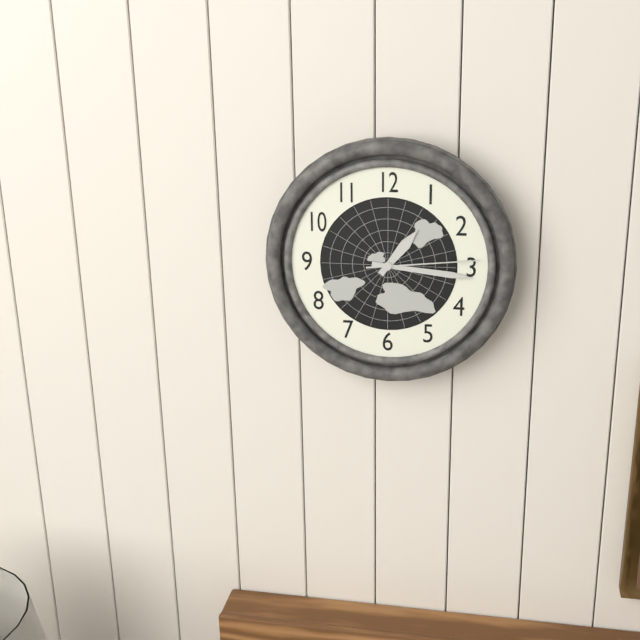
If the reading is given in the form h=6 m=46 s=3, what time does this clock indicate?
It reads h=1 m=16 s=14
